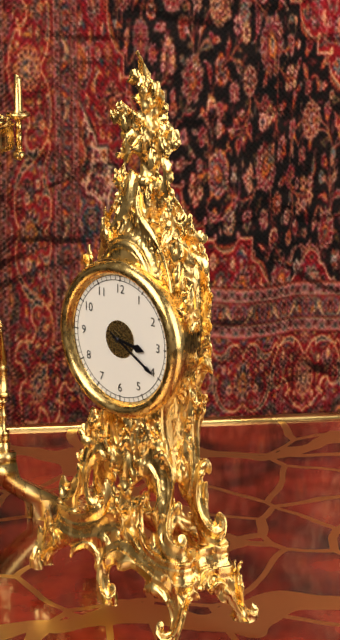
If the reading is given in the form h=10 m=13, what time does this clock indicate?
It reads h=3 m=20
